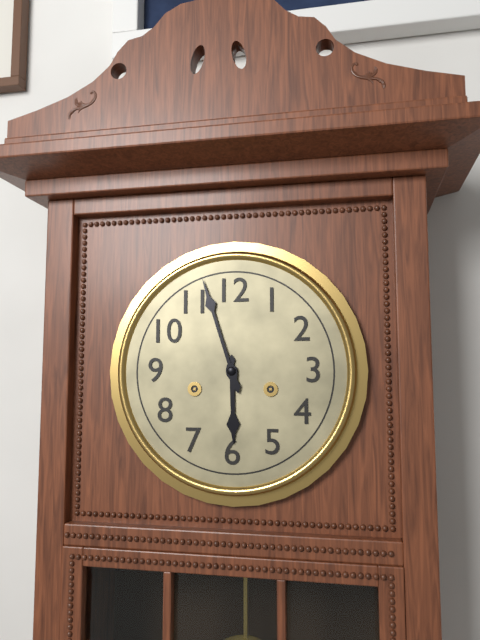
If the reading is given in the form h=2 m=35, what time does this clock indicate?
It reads h=5 m=57
